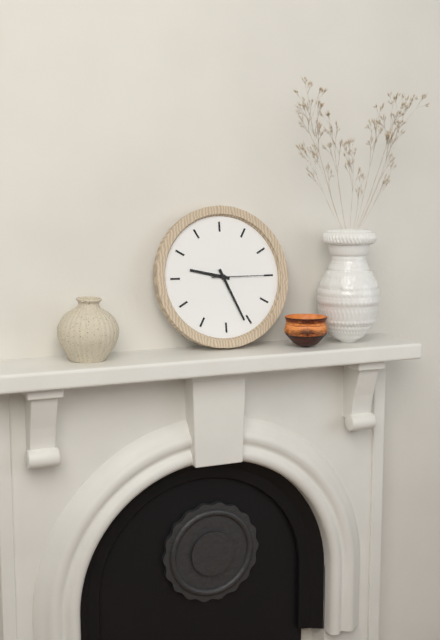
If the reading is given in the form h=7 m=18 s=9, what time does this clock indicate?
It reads h=9 m=26 s=15
